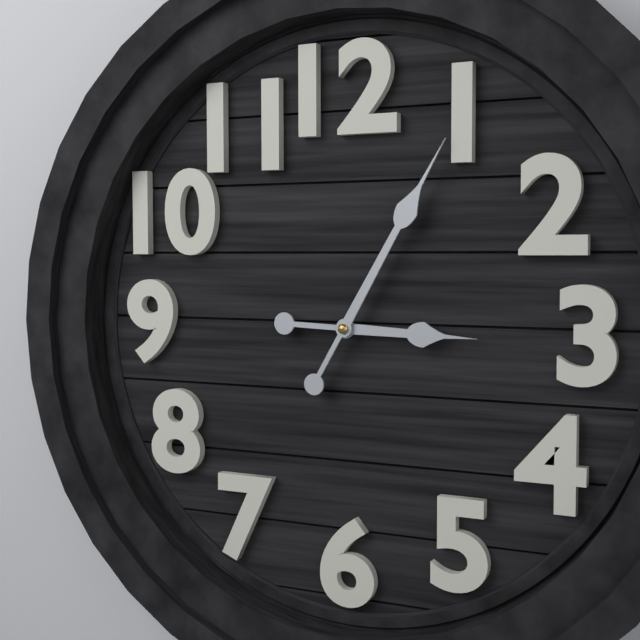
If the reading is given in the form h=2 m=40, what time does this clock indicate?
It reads h=3 m=5
